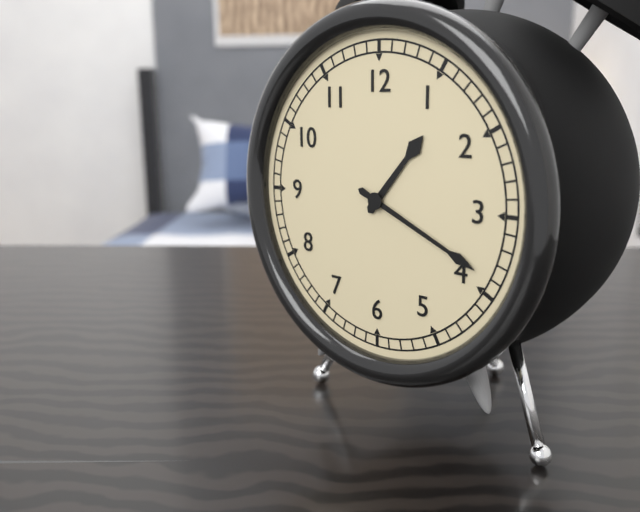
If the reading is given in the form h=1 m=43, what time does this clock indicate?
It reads h=1 m=19
